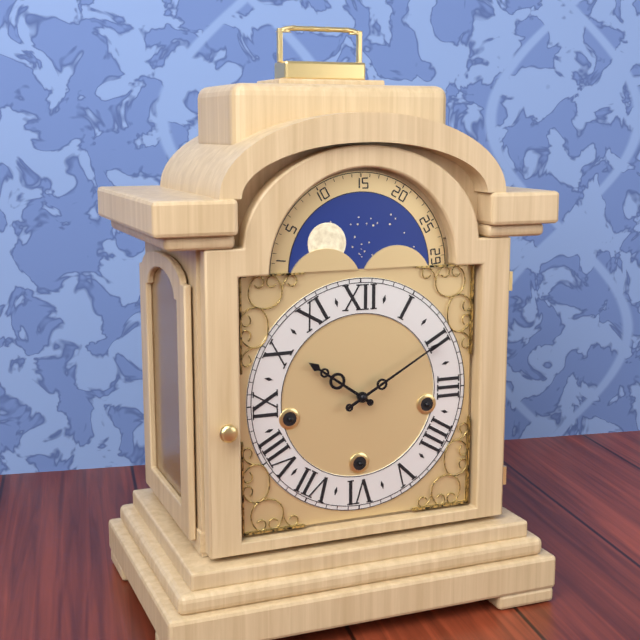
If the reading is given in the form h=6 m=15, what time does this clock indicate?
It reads h=10 m=10
